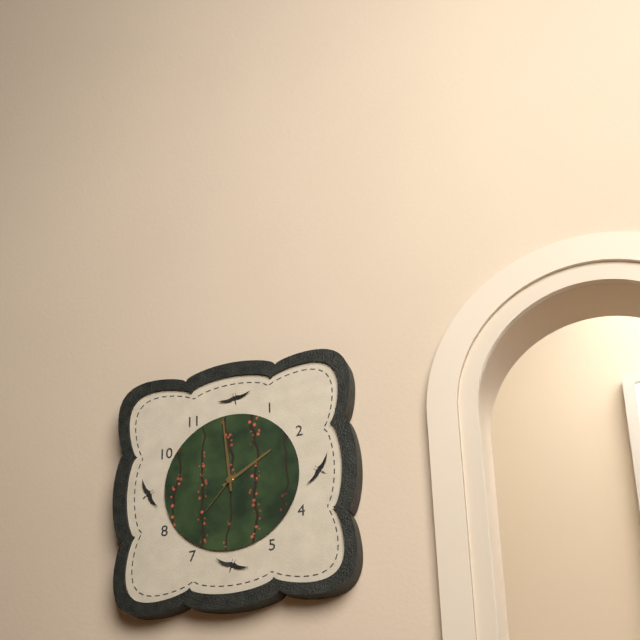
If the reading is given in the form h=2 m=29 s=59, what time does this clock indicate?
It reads h=1 m=59 s=37
